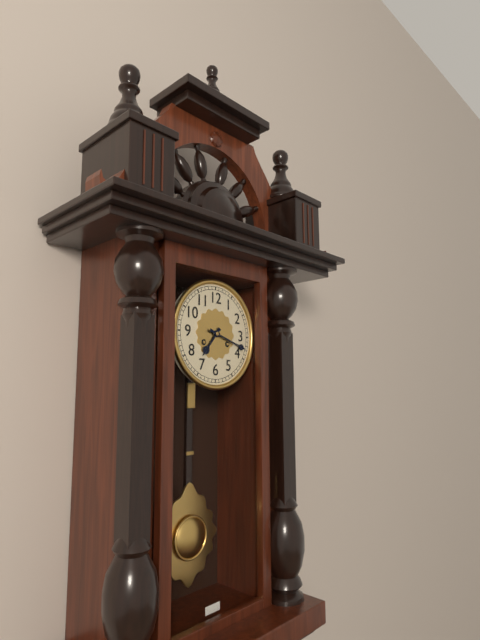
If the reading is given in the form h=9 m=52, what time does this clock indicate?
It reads h=7 m=18
